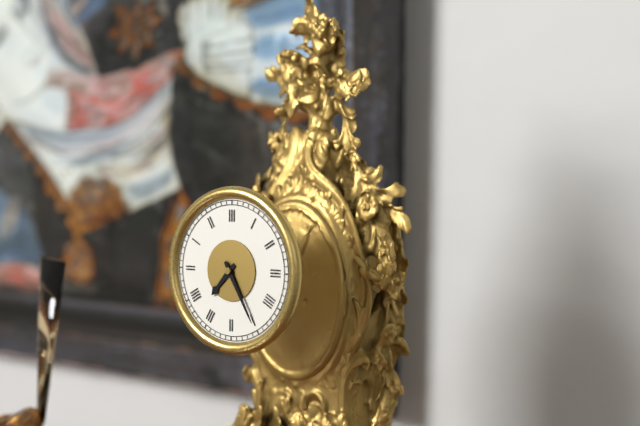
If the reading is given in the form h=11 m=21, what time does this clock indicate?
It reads h=7 m=25
